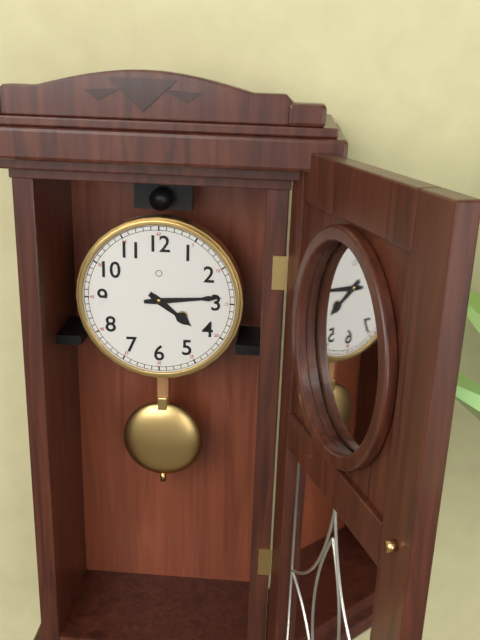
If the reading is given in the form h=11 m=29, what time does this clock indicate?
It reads h=4 m=14
